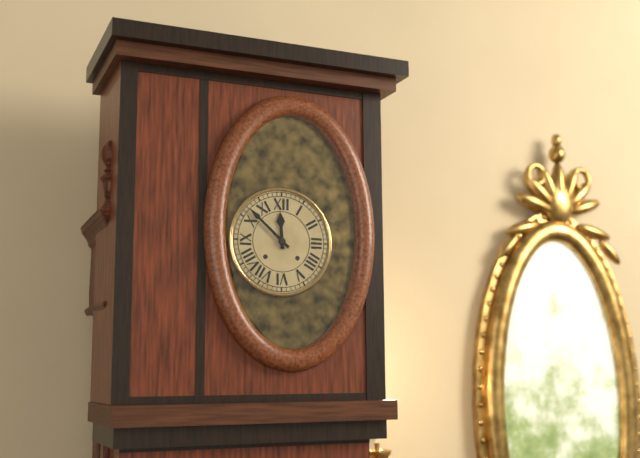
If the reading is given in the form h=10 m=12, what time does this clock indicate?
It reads h=11 m=52
